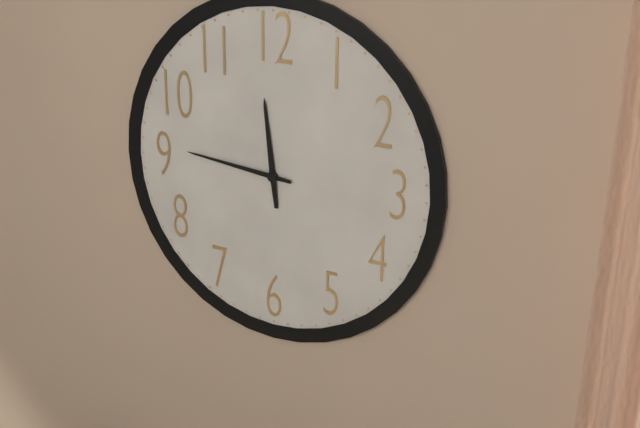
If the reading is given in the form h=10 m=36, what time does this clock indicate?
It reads h=11 m=46
